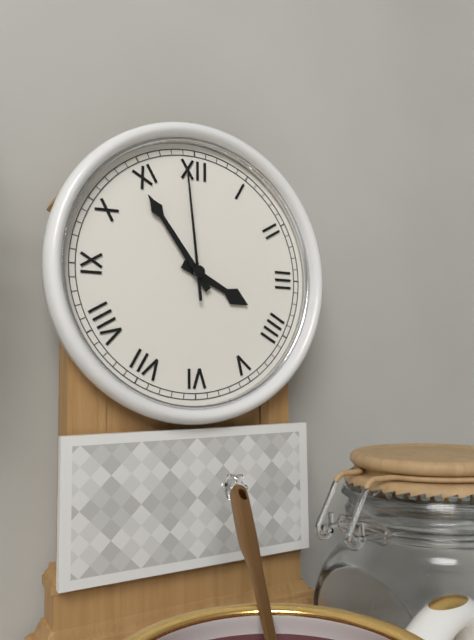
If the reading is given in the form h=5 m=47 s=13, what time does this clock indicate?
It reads h=3 m=54 s=59
